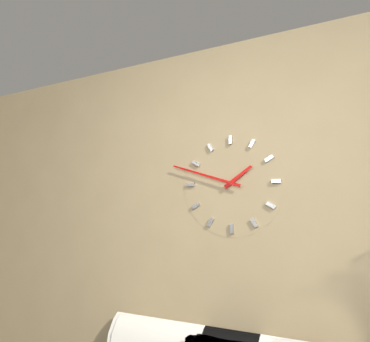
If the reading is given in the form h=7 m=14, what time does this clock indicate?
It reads h=1 m=48
